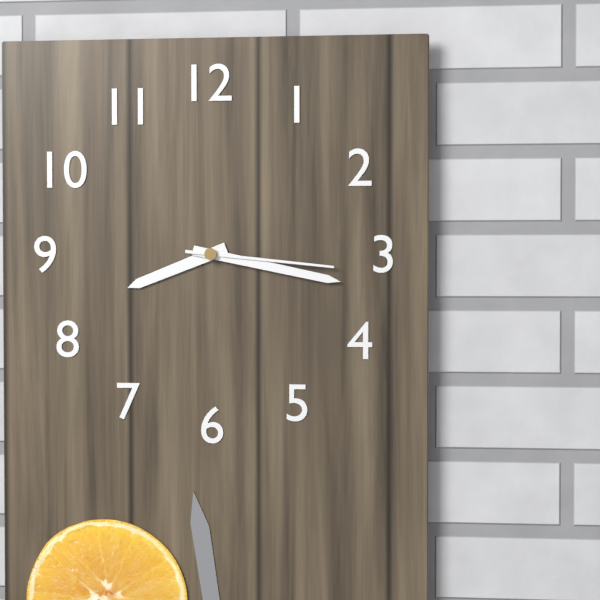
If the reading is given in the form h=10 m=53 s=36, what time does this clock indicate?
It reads h=8 m=17 s=16
